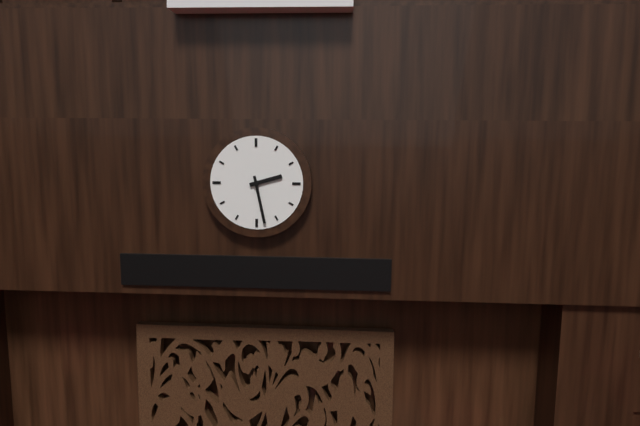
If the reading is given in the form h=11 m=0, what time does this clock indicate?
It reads h=2 m=28
